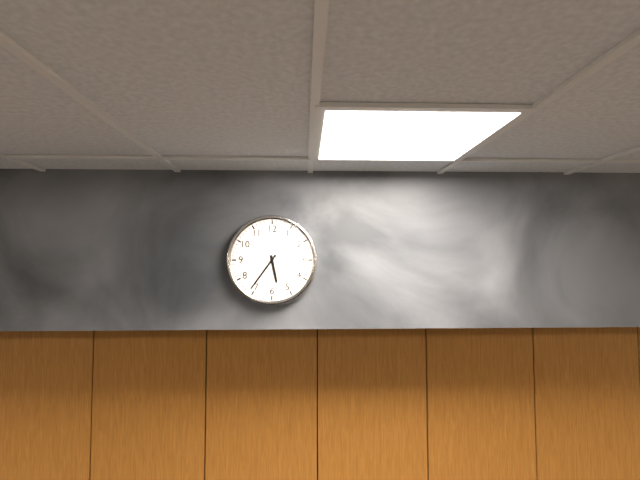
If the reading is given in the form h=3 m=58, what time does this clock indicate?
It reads h=5 m=36
